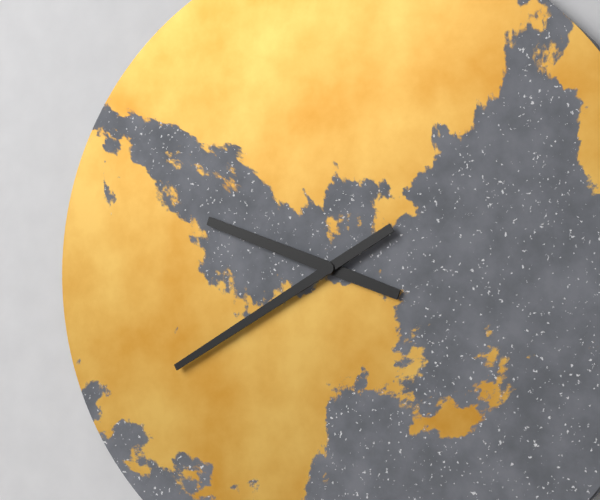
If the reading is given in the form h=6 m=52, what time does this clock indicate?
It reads h=9 m=40
